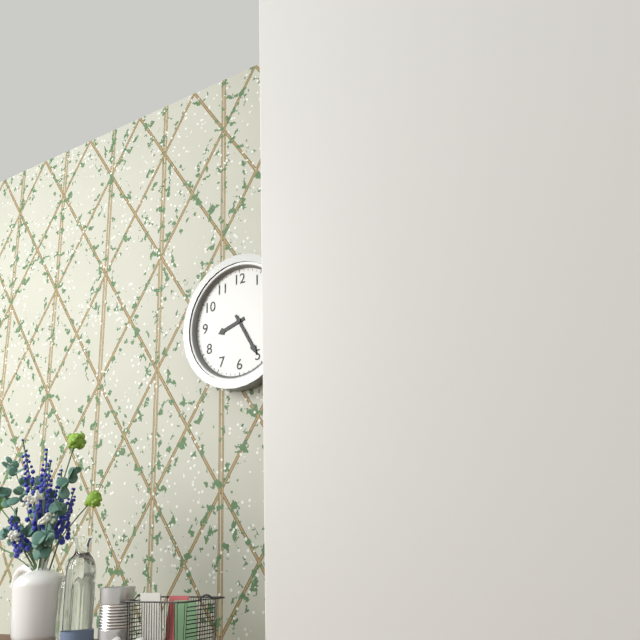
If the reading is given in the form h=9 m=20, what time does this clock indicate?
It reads h=8 m=25
